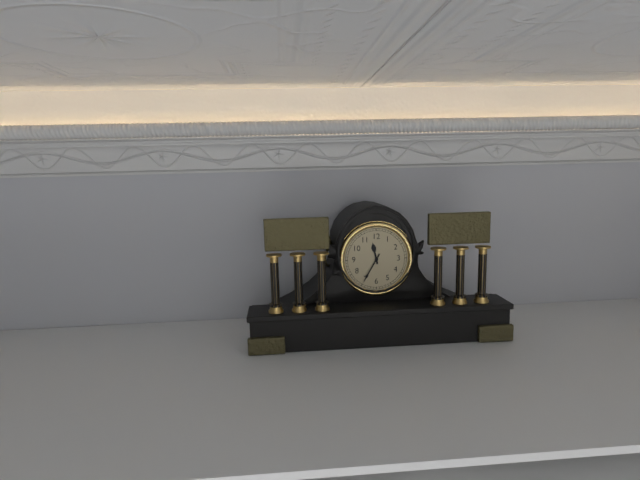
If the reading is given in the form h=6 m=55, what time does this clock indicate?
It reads h=11 m=35
